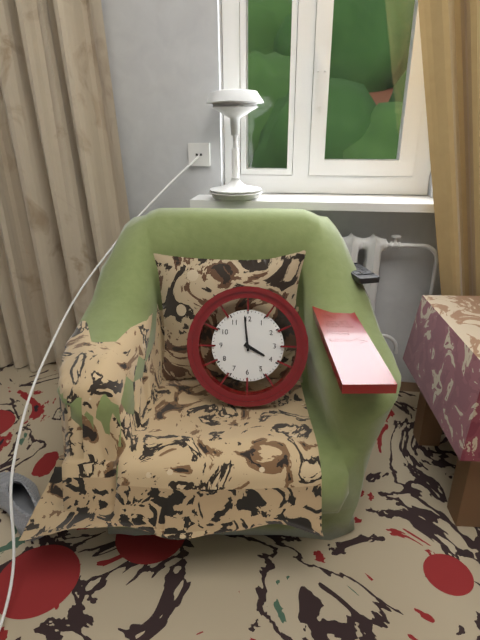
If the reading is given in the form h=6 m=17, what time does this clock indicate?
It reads h=3 m=59
